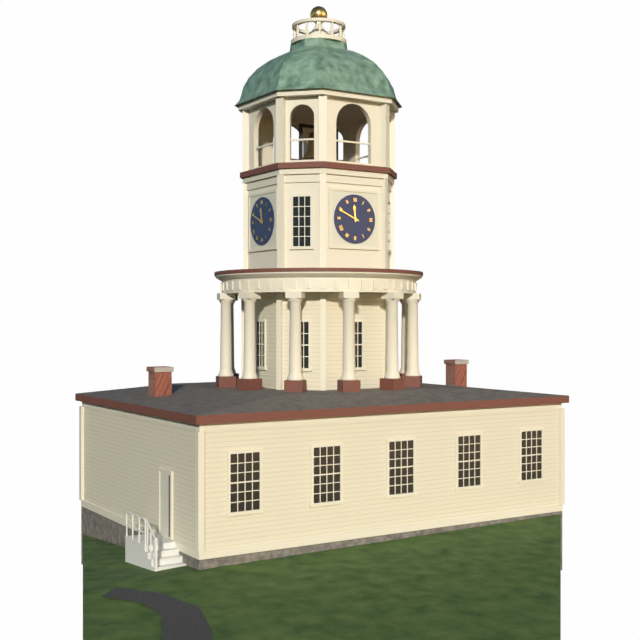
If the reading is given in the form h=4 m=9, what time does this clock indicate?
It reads h=11 m=49
